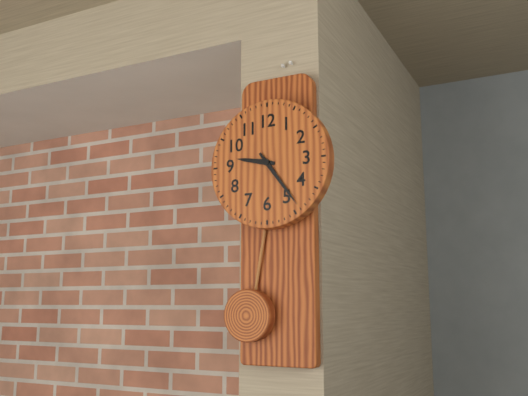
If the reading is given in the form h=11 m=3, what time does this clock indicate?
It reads h=9 m=24
